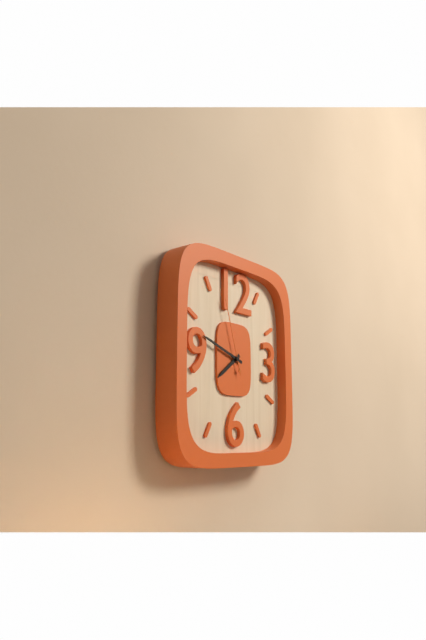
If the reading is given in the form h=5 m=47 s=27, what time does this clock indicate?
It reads h=7 m=48 s=57
